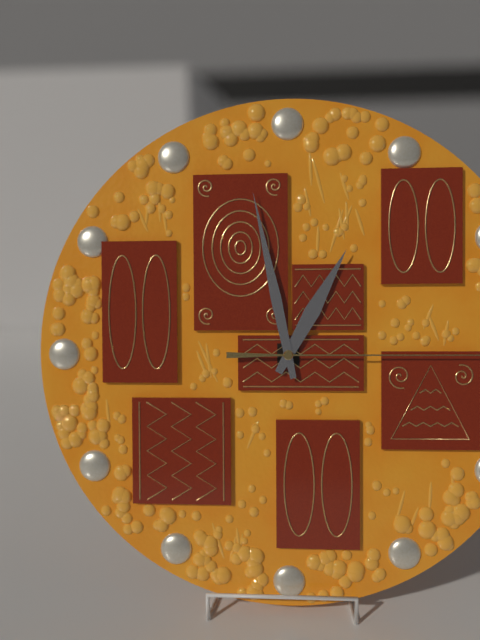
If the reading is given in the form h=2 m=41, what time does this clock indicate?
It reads h=12 m=58
